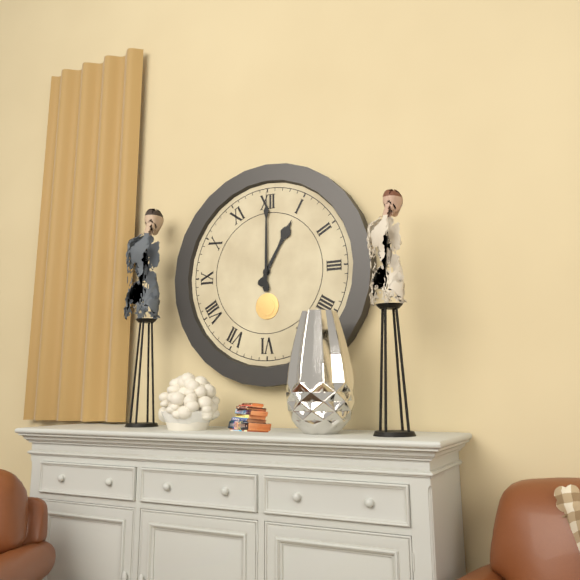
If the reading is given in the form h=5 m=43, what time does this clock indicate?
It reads h=1 m=0
